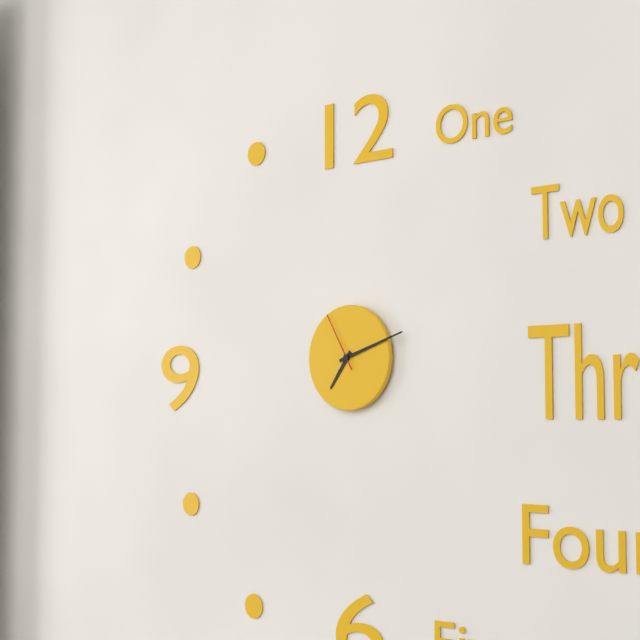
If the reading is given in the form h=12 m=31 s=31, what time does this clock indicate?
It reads h=7 m=12 s=55
